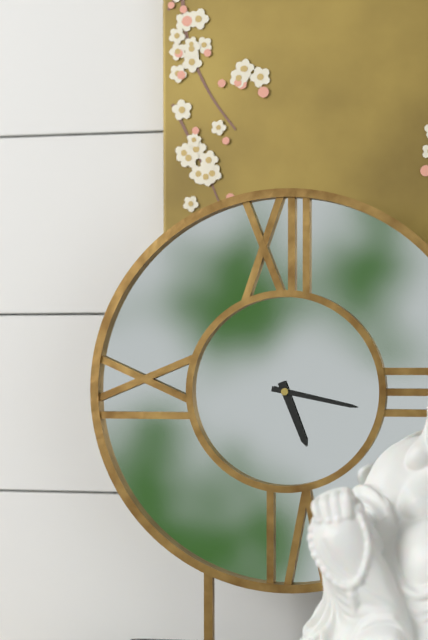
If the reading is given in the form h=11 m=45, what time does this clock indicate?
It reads h=5 m=17
